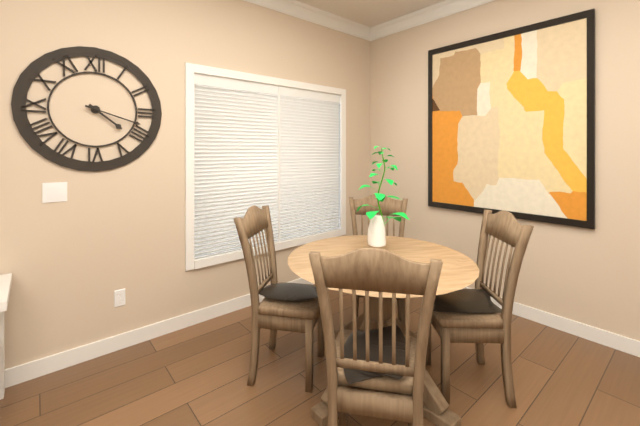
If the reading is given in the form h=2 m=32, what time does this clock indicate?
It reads h=4 m=18
